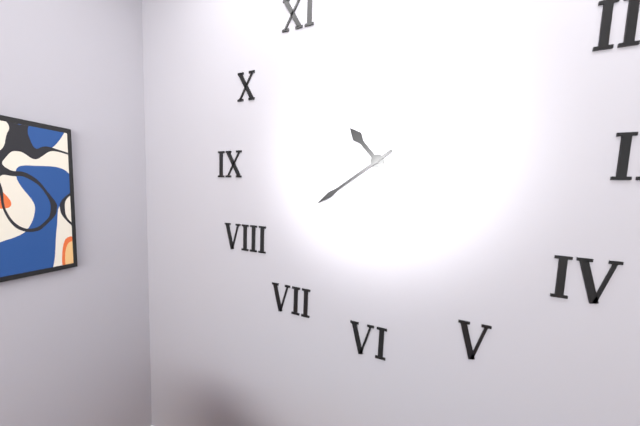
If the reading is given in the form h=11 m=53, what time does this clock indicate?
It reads h=10 m=39
